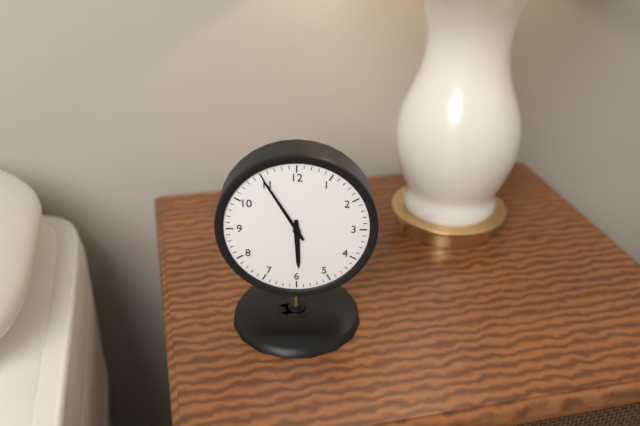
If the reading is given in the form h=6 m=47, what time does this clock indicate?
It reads h=5 m=55
